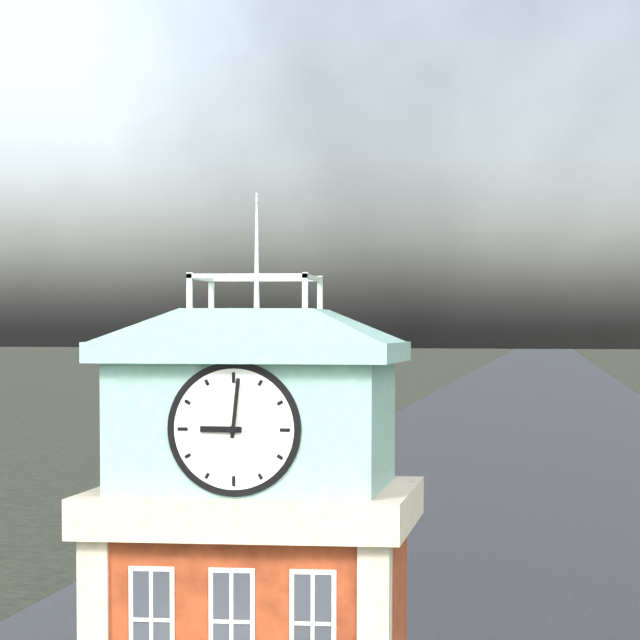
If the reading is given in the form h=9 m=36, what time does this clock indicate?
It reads h=9 m=1
